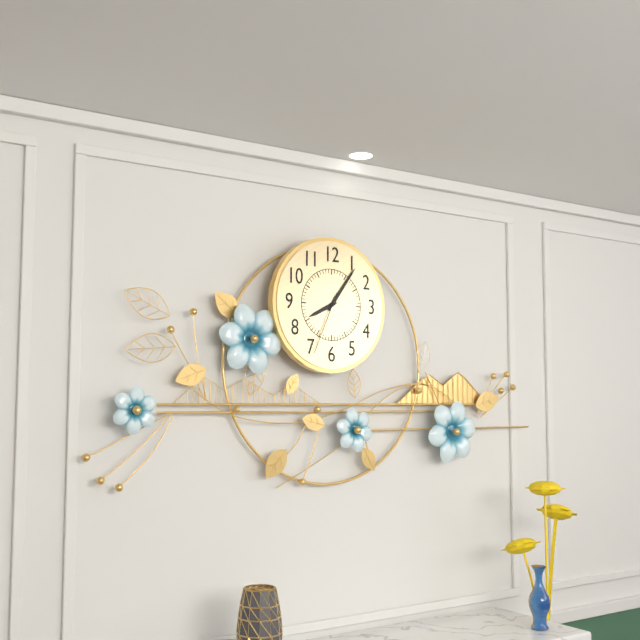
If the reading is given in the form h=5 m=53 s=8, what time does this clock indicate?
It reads h=8 m=6 s=34
